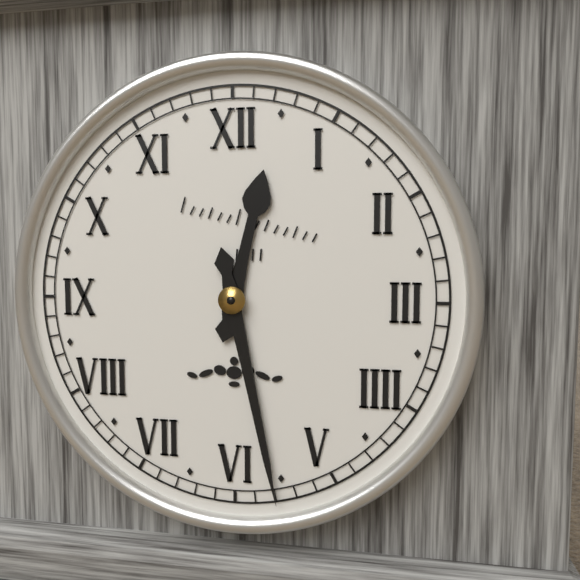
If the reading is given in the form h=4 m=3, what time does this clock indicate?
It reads h=12 m=28
